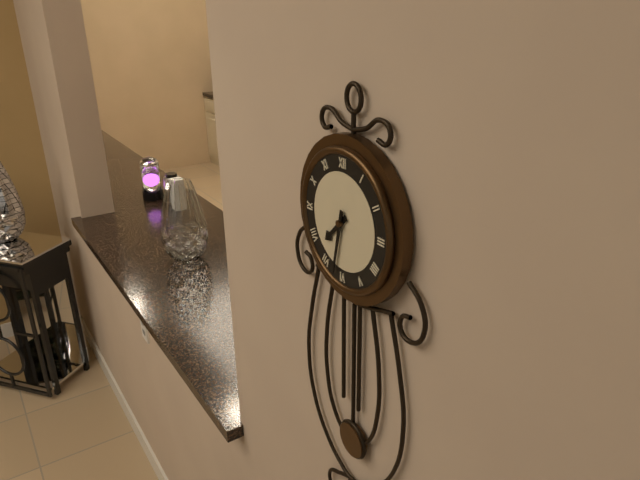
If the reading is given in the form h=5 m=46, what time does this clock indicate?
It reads h=7 m=32
